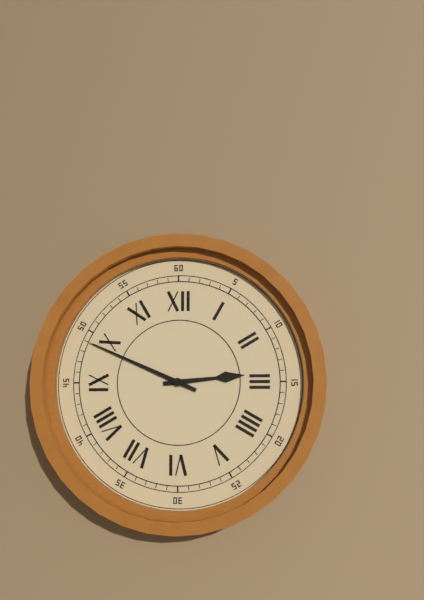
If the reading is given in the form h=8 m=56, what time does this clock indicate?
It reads h=2 m=49
